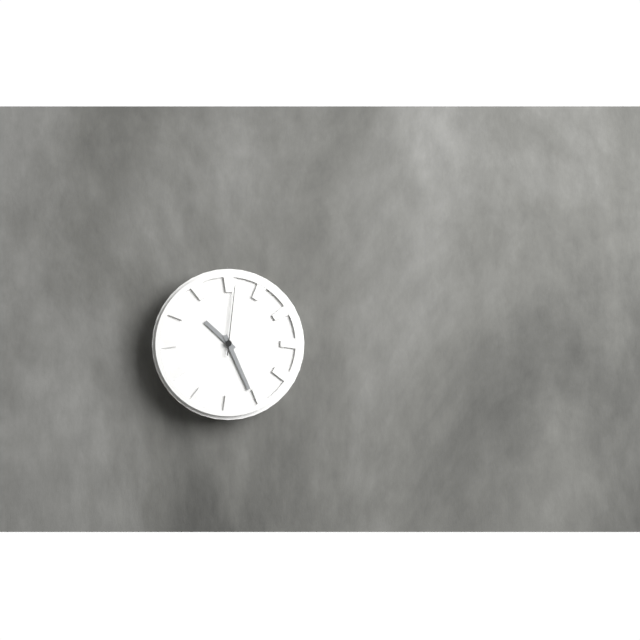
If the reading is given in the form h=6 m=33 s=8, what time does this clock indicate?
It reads h=10 m=26 s=1
